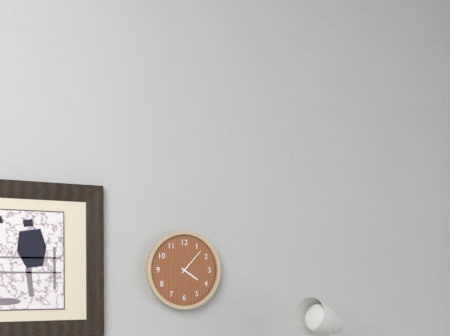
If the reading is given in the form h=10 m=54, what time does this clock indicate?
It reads h=4 m=7
